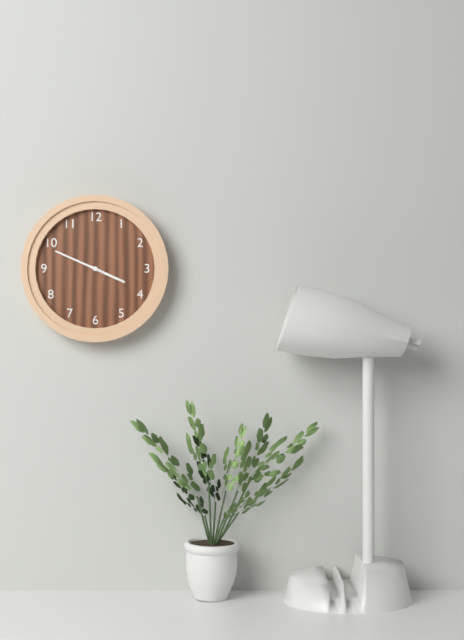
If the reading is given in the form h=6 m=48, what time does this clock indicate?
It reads h=3 m=49
